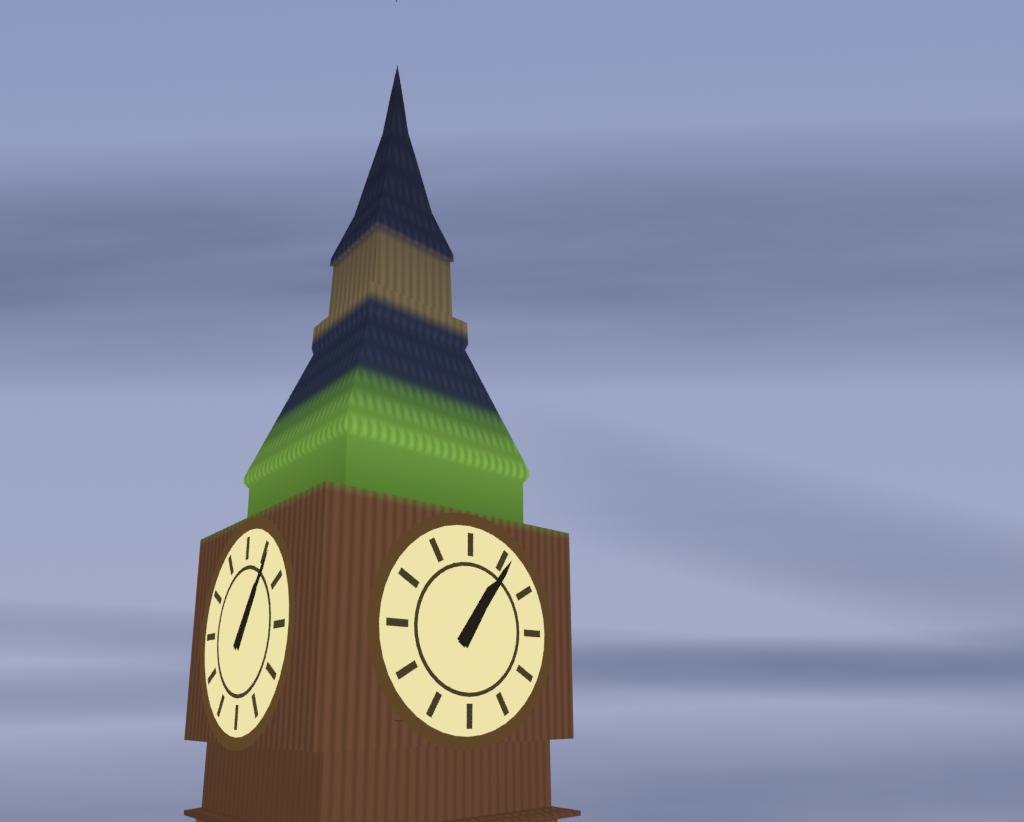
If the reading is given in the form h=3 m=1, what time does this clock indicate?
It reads h=1 m=6
